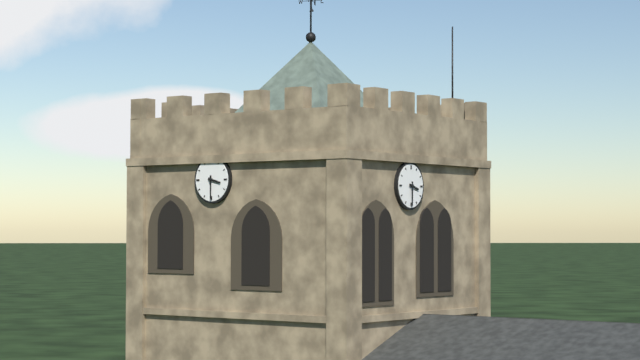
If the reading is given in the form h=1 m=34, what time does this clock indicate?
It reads h=3 m=30
